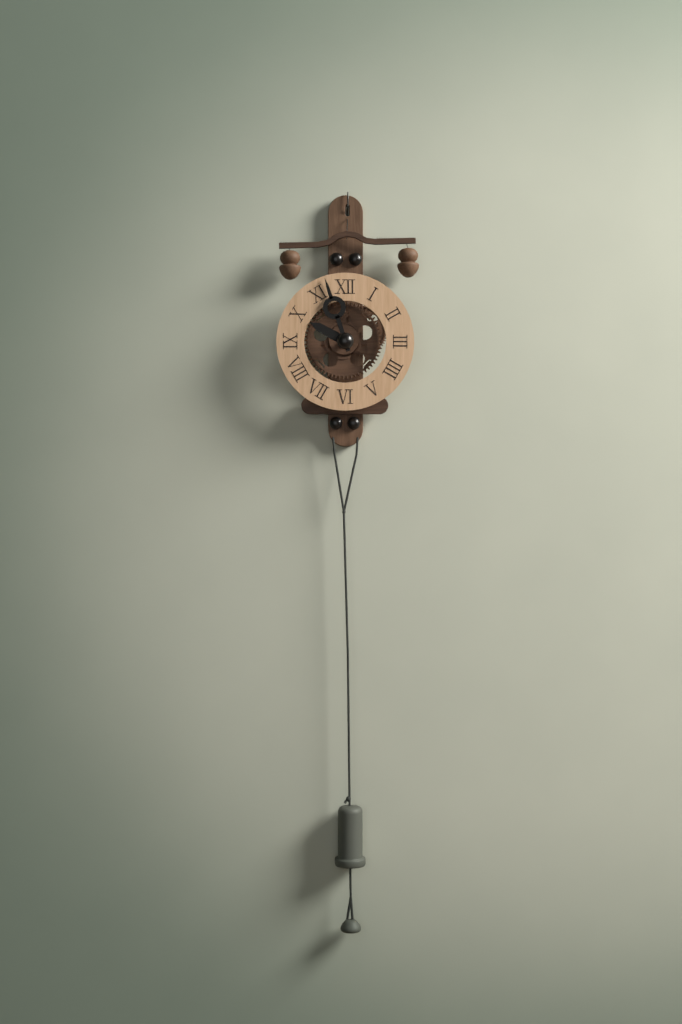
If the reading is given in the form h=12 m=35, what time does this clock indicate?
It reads h=9 m=57
